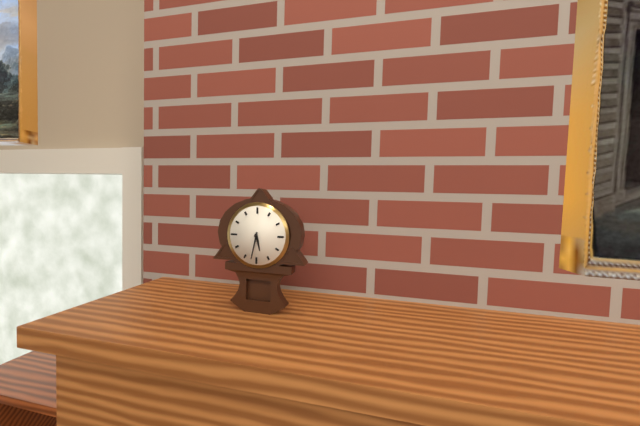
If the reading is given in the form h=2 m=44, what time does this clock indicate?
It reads h=5 m=32
